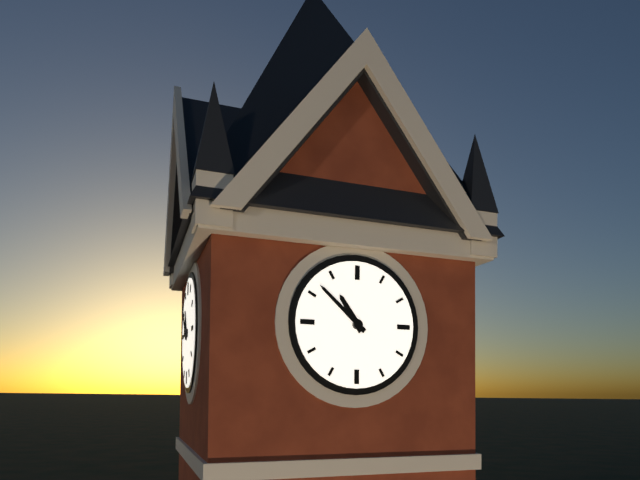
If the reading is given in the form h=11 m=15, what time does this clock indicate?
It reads h=10 m=52
